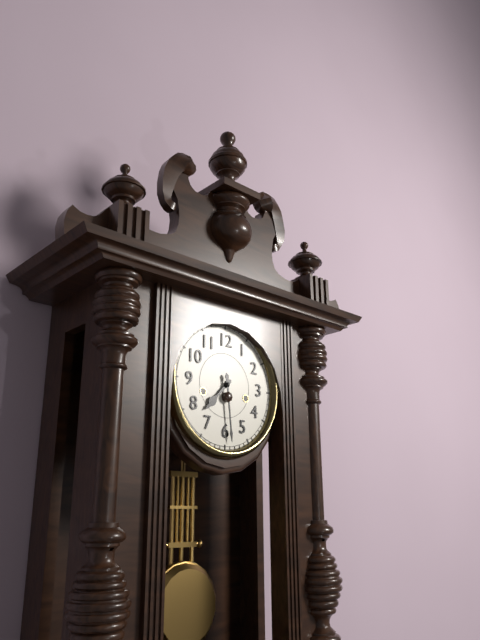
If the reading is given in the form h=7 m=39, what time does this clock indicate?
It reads h=7 m=29
